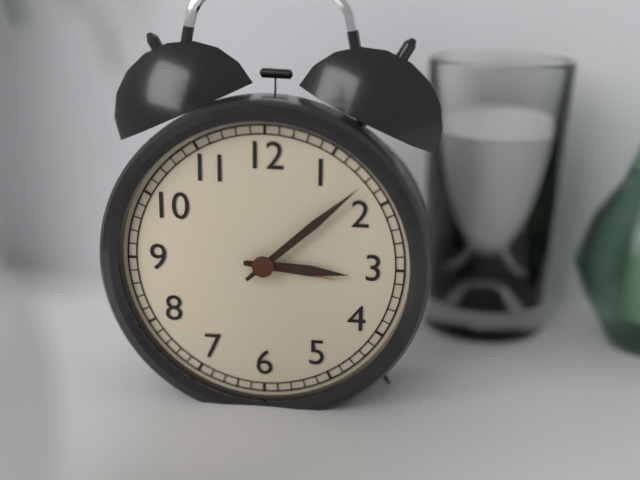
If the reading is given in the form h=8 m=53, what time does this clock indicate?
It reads h=3 m=8
